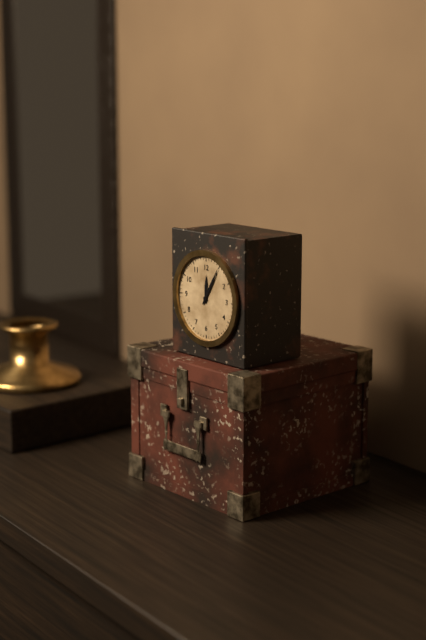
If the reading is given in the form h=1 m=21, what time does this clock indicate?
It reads h=12 m=5
